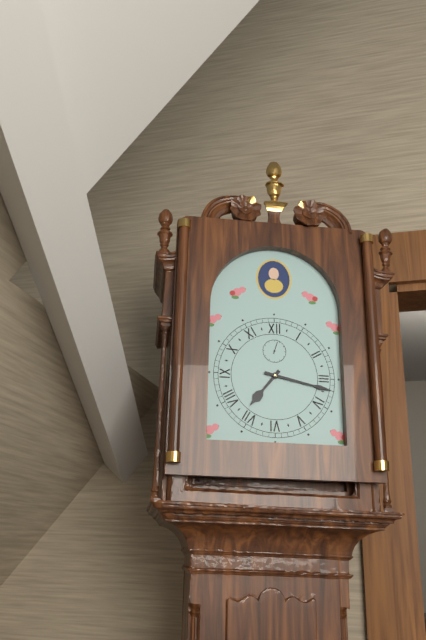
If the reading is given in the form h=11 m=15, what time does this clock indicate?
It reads h=7 m=17
